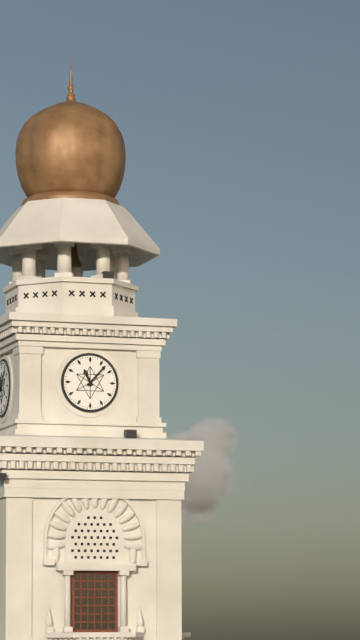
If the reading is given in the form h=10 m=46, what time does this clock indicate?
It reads h=11 m=7
